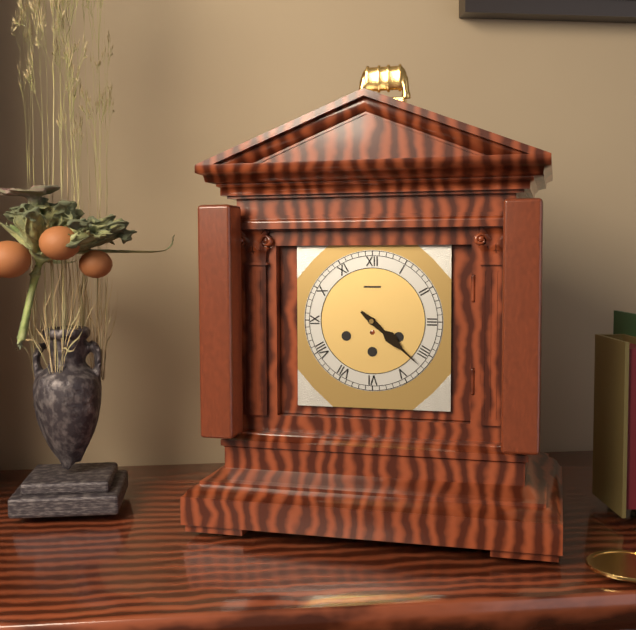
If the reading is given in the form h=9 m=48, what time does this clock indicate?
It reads h=4 m=22
